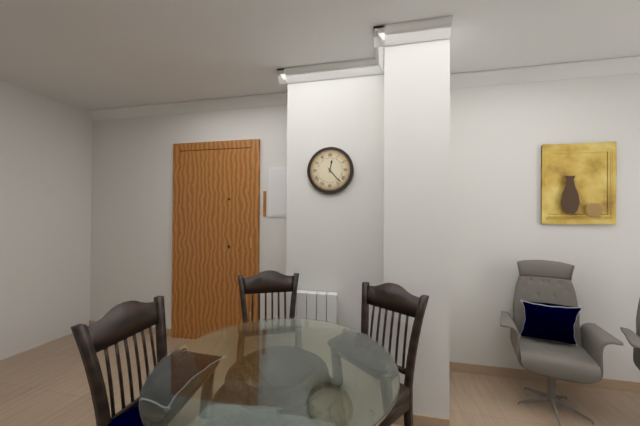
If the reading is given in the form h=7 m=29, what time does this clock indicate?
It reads h=12 m=23
